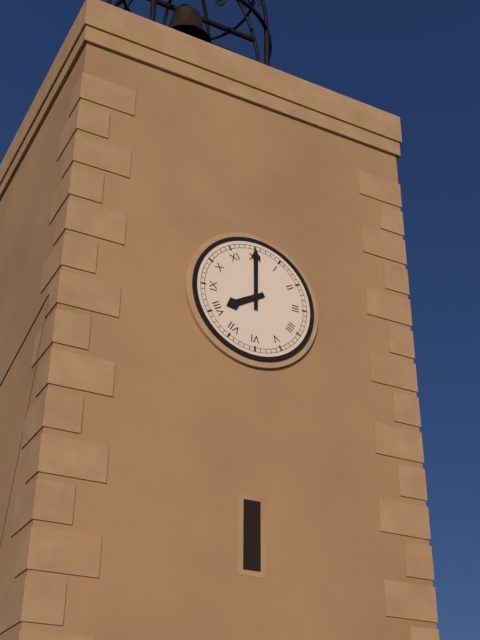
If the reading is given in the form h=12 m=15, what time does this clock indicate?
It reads h=8 m=0
